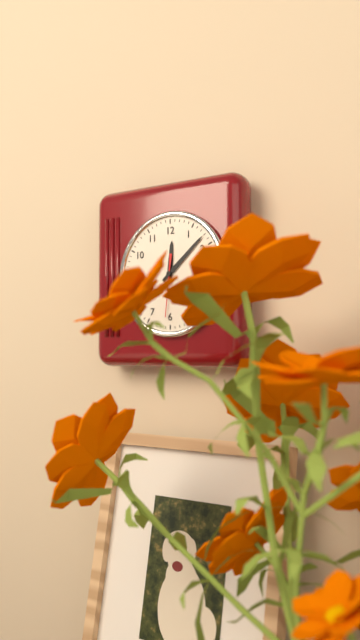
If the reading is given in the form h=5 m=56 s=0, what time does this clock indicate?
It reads h=12 m=8 s=31
